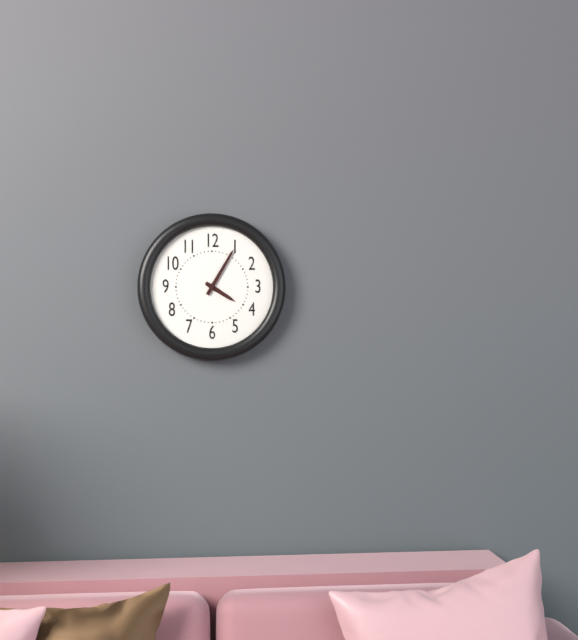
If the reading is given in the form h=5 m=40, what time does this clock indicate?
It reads h=4 m=5
